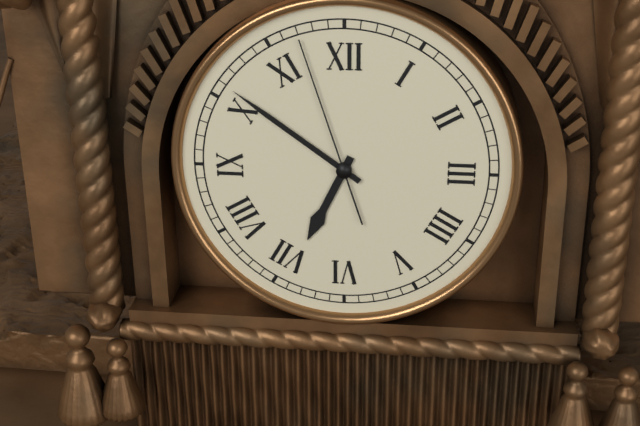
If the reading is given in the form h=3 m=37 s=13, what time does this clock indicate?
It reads h=6 m=51 s=57
